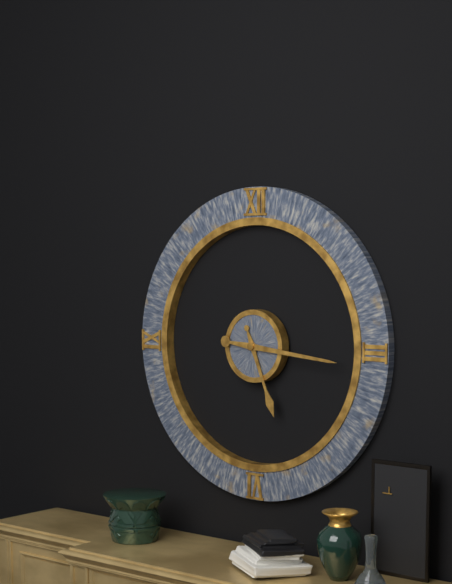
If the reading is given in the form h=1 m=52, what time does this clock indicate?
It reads h=5 m=16
